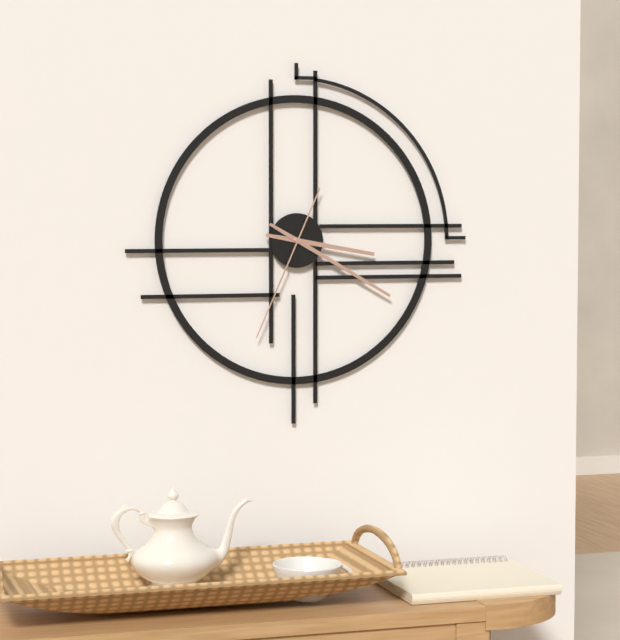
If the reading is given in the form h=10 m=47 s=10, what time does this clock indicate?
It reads h=3 m=20 s=34
